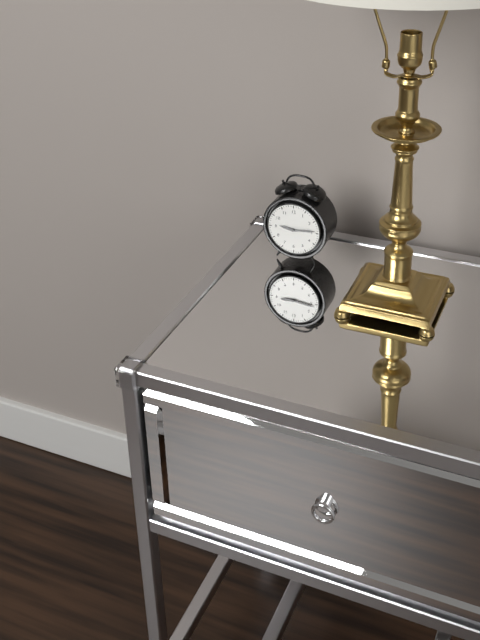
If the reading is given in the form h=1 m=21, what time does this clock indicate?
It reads h=9 m=14
